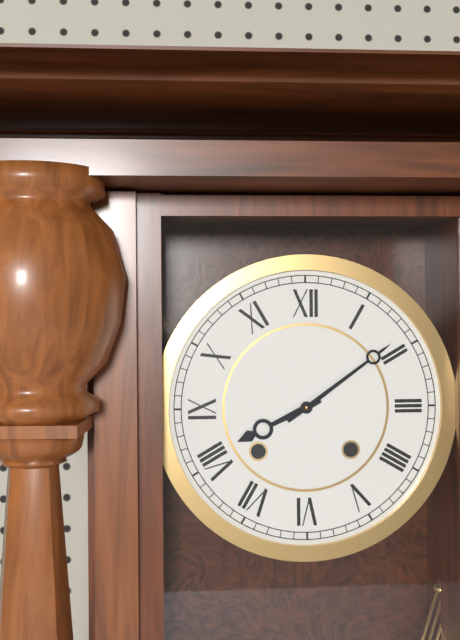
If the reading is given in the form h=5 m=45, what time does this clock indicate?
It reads h=8 m=9
